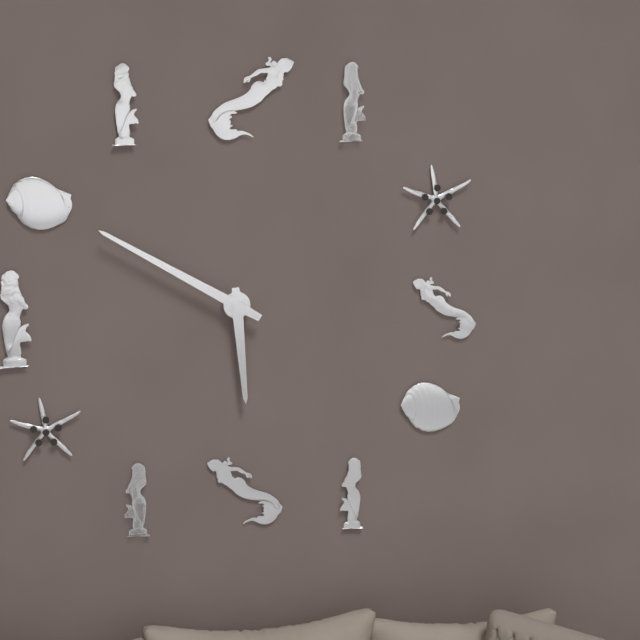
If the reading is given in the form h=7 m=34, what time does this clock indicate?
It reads h=5 m=50
